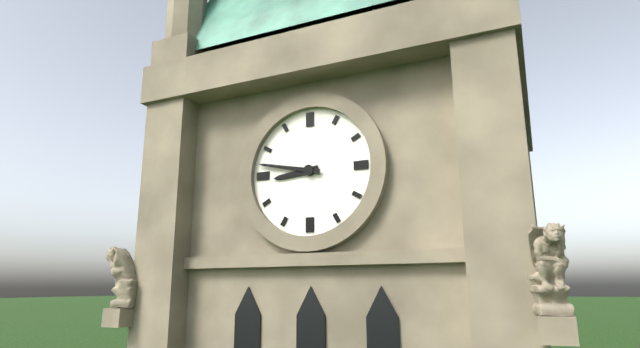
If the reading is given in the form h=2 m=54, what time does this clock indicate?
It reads h=8 m=47
